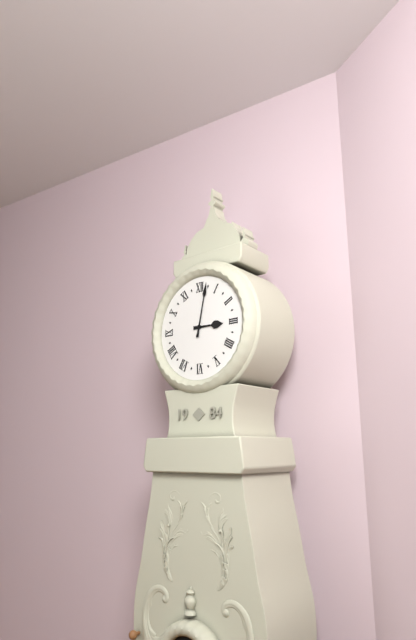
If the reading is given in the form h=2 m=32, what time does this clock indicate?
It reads h=3 m=2
